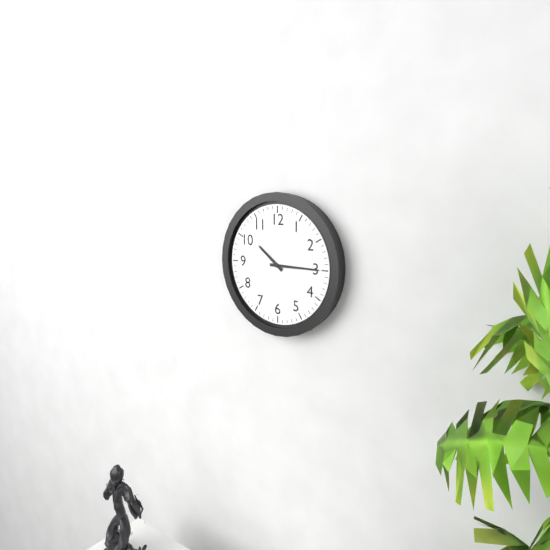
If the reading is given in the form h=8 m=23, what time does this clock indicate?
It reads h=10 m=15
